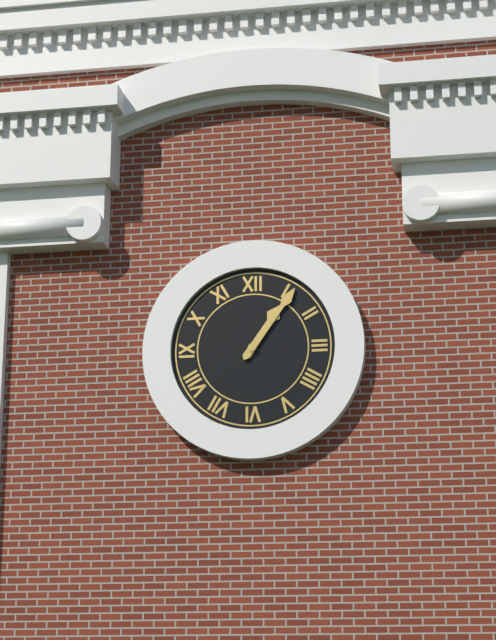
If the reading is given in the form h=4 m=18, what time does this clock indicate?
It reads h=1 m=6
